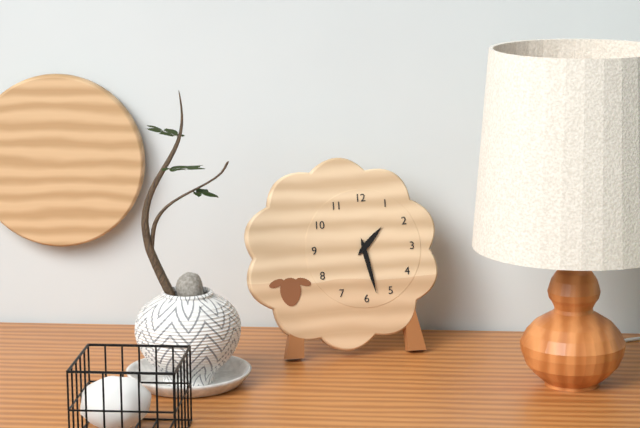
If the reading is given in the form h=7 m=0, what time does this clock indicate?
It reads h=1 m=28
